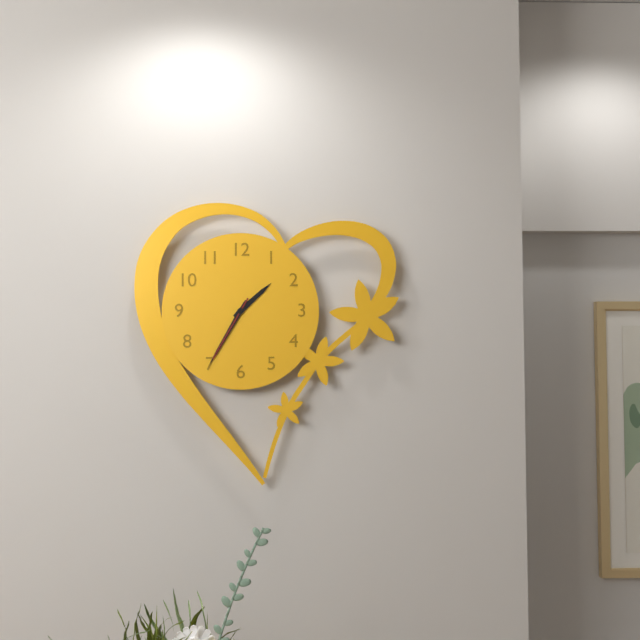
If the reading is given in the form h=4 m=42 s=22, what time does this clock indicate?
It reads h=1 m=35 s=35
